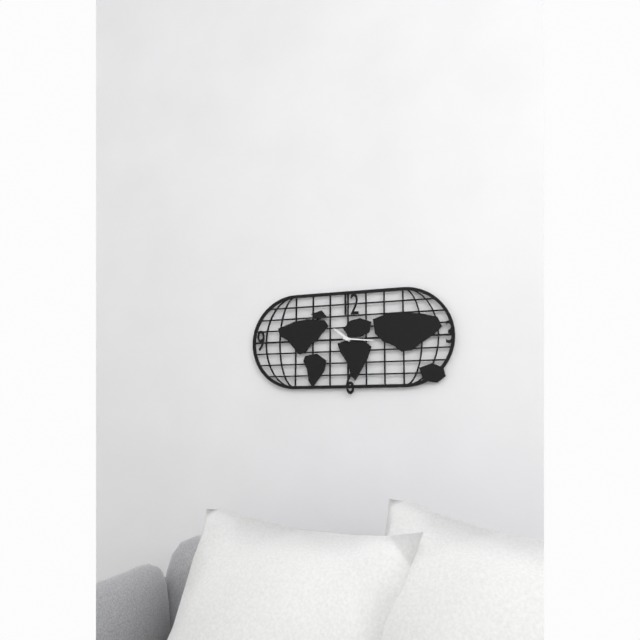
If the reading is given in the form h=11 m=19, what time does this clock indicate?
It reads h=10 m=16
